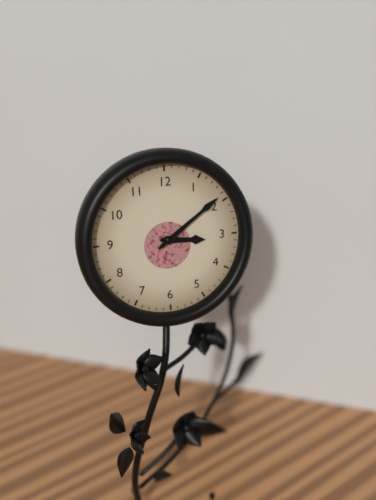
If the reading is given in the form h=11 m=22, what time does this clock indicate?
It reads h=3 m=9
